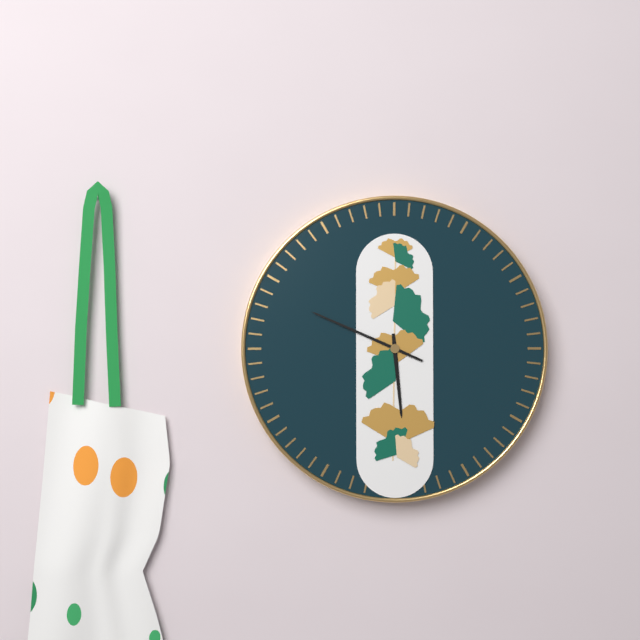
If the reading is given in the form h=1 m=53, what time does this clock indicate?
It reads h=5 m=49
